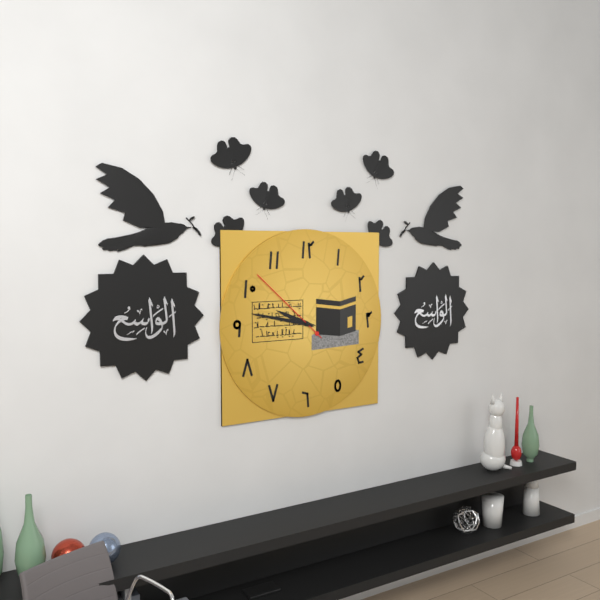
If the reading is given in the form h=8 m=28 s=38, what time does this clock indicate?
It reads h=9 m=47 s=52
